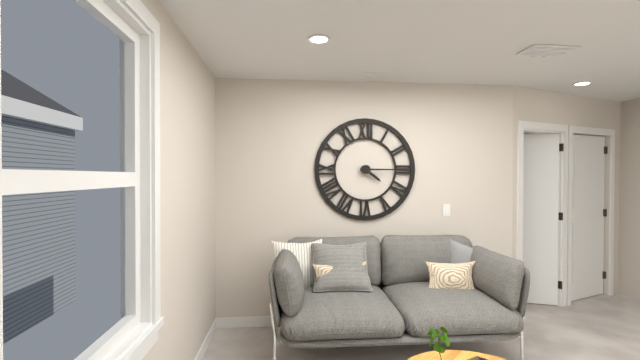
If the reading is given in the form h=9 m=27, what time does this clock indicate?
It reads h=4 m=15
